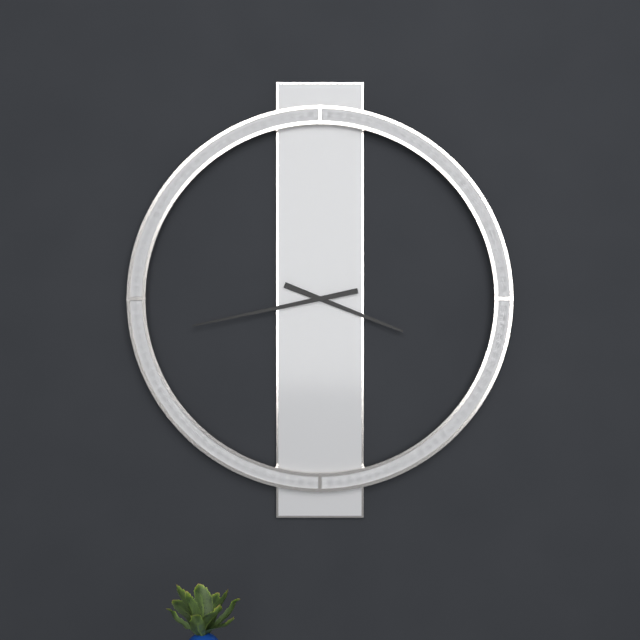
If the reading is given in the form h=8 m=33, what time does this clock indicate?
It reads h=3 m=43
